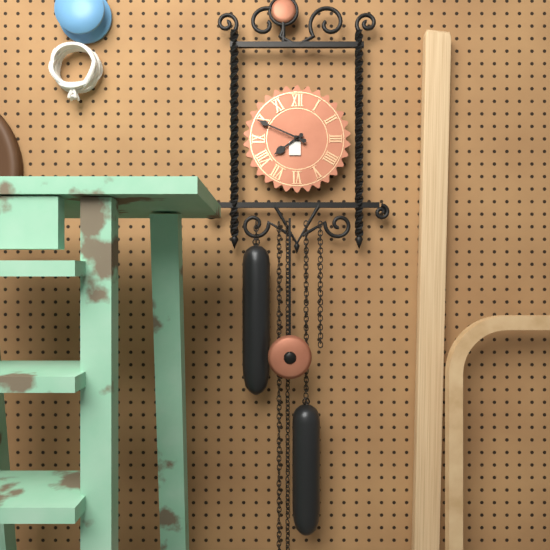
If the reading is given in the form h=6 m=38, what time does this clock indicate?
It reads h=7 m=49
